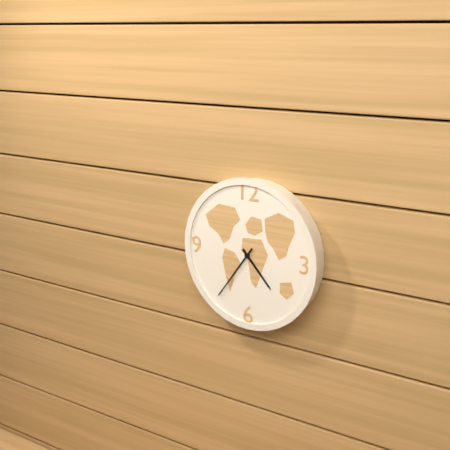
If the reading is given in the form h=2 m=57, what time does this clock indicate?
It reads h=4 m=36
